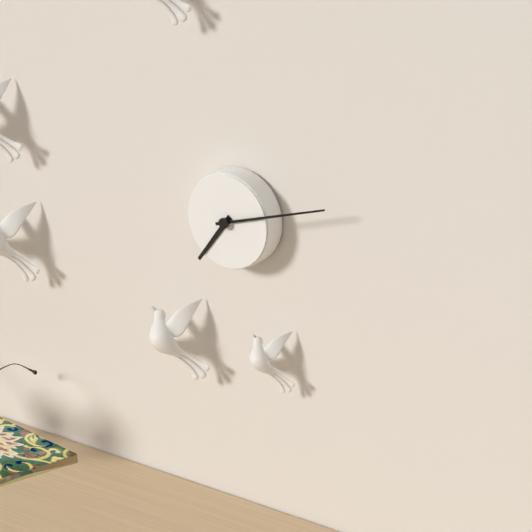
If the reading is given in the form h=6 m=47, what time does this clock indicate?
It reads h=7 m=12
